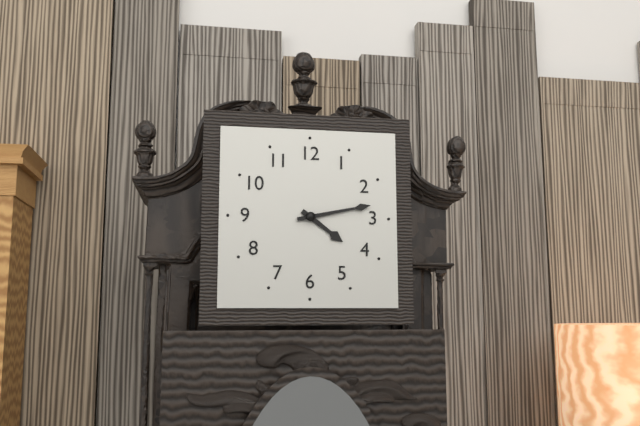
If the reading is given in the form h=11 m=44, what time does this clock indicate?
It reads h=4 m=13
